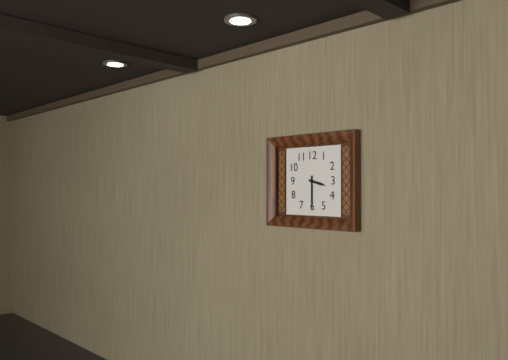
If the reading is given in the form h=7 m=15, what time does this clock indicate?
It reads h=3 m=30
